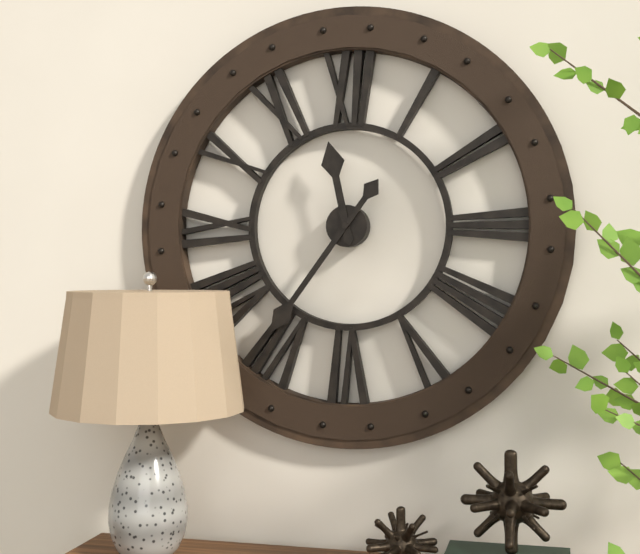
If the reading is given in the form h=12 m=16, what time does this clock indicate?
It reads h=11 m=36
